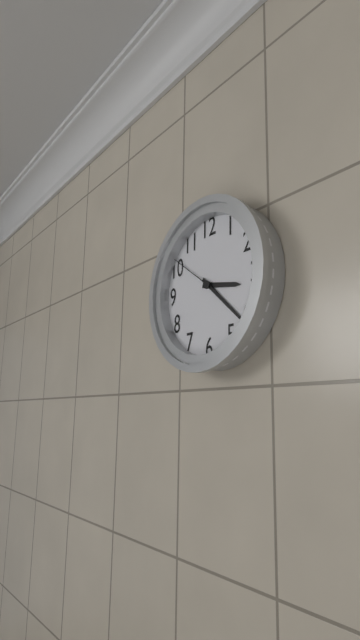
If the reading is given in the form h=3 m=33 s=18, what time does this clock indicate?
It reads h=3 m=22 s=51
